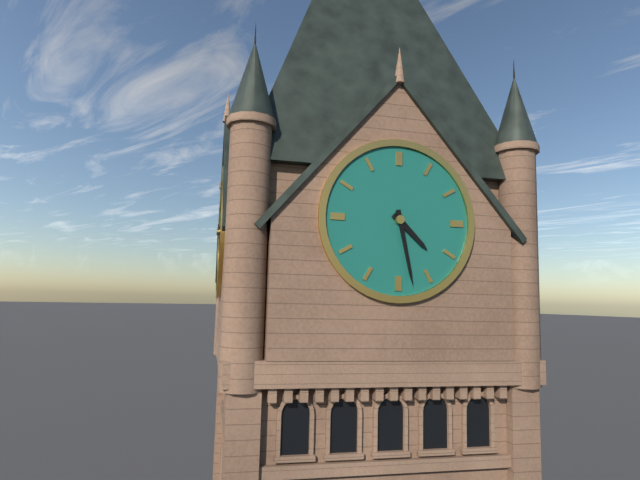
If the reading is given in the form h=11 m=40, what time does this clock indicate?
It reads h=4 m=28
